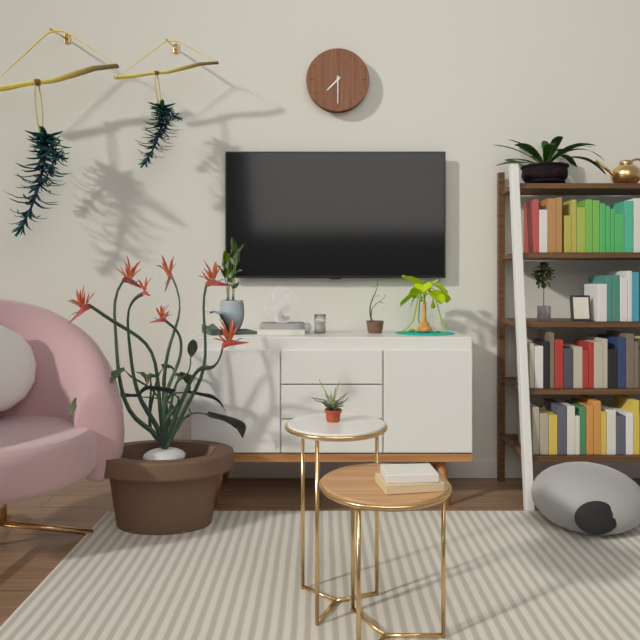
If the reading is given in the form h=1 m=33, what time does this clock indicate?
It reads h=7 m=30
